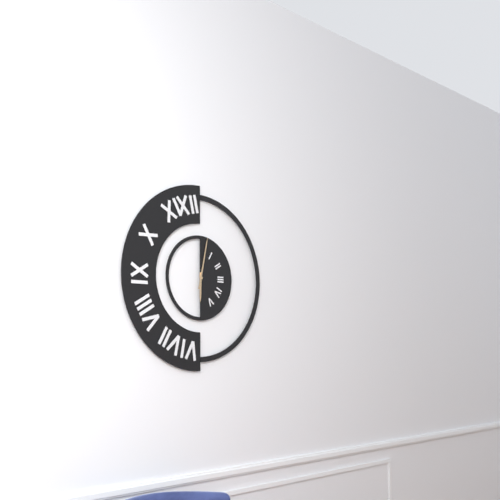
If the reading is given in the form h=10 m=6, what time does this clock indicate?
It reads h=6 m=2
